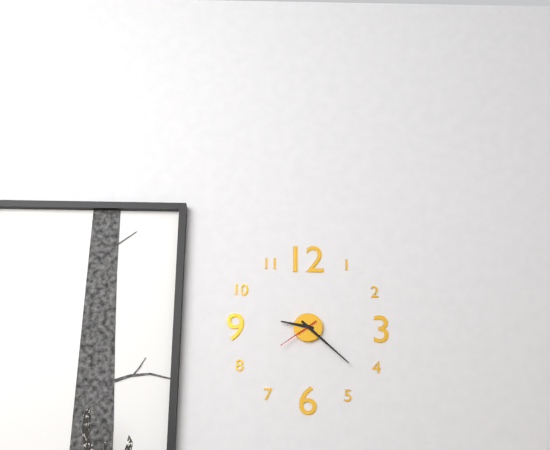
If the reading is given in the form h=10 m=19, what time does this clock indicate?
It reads h=9 m=22
